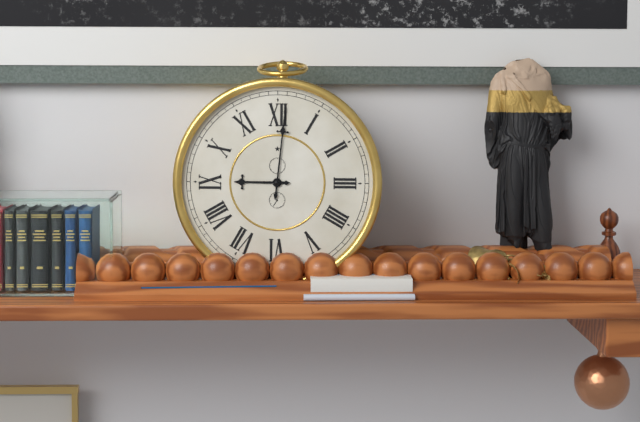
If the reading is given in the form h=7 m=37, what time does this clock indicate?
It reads h=9 m=1
